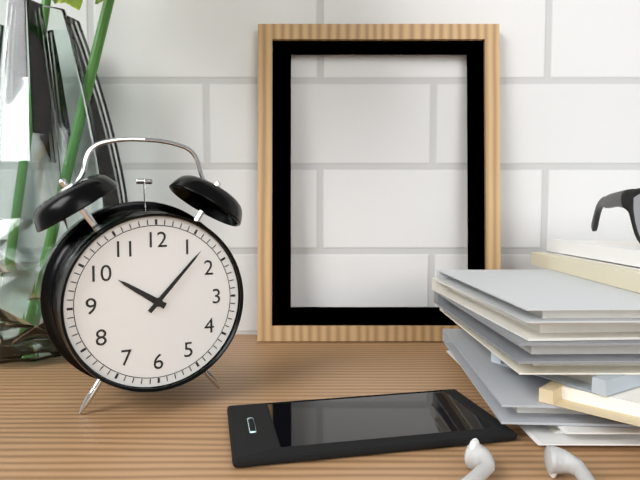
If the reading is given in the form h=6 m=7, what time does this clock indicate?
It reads h=10 m=7
